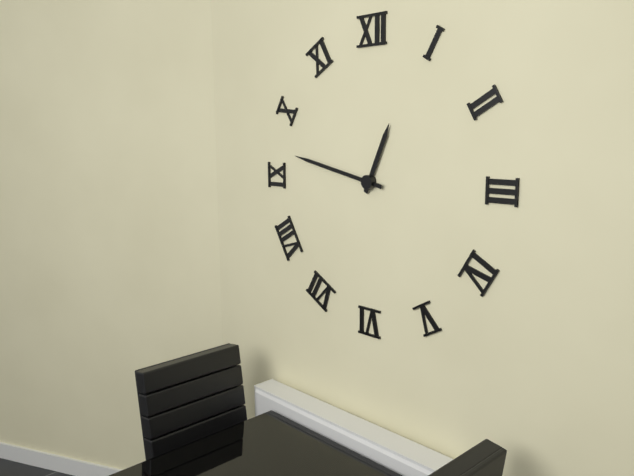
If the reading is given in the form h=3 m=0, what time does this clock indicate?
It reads h=12 m=47
